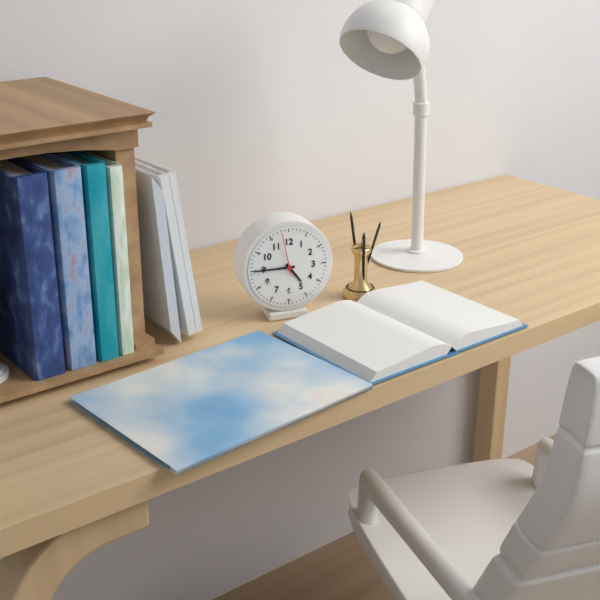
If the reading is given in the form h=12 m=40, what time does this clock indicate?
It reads h=4 m=45
